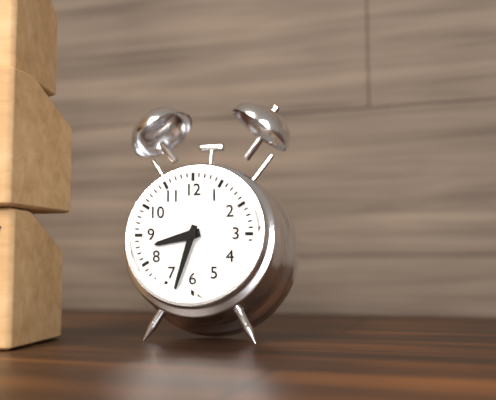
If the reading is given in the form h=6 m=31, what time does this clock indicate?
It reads h=8 m=33
